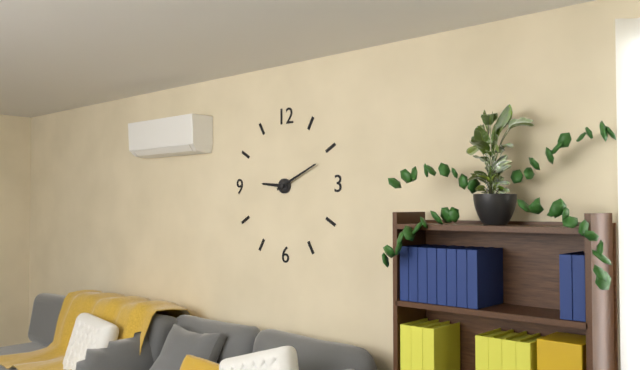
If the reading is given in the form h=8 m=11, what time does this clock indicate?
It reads h=9 m=11
